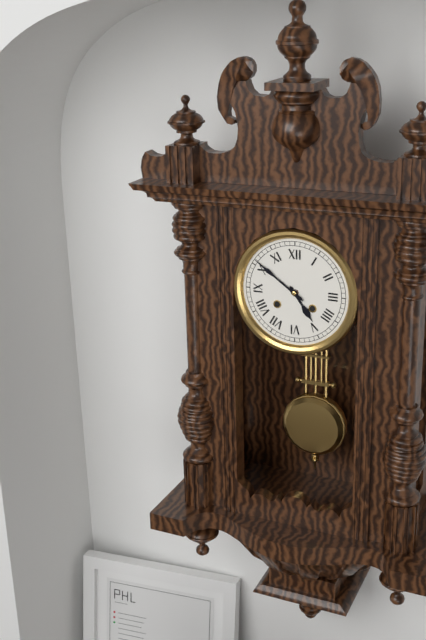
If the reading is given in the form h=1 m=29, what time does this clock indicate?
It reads h=4 m=51
